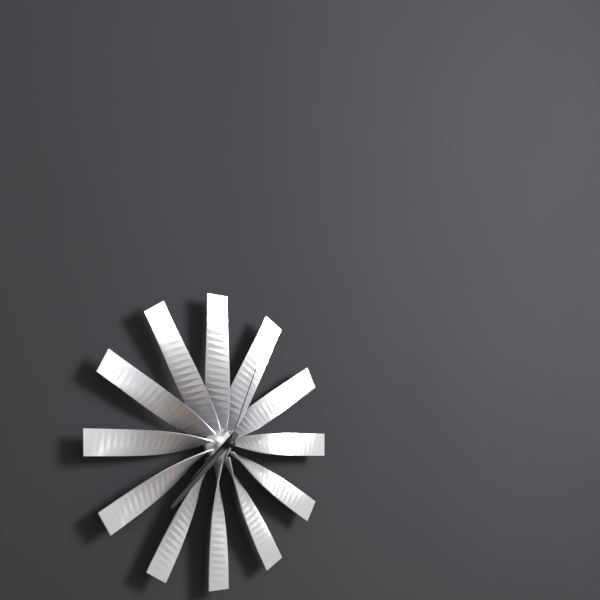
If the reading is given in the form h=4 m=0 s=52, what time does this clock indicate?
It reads h=7 m=38 s=4
